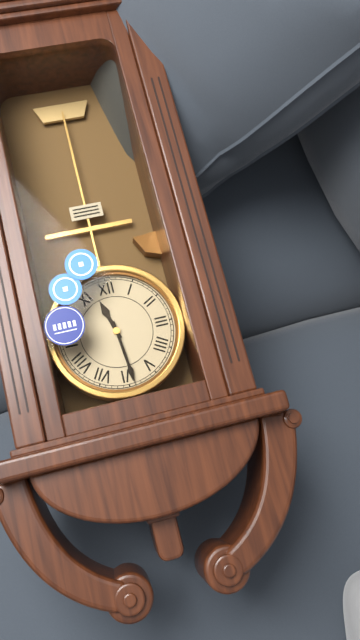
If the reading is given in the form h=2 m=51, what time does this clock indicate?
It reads h=11 m=29
